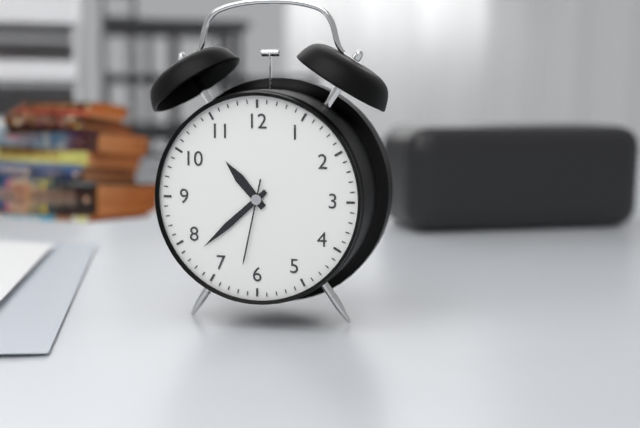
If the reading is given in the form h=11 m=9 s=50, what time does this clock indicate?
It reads h=10 m=38 s=32
